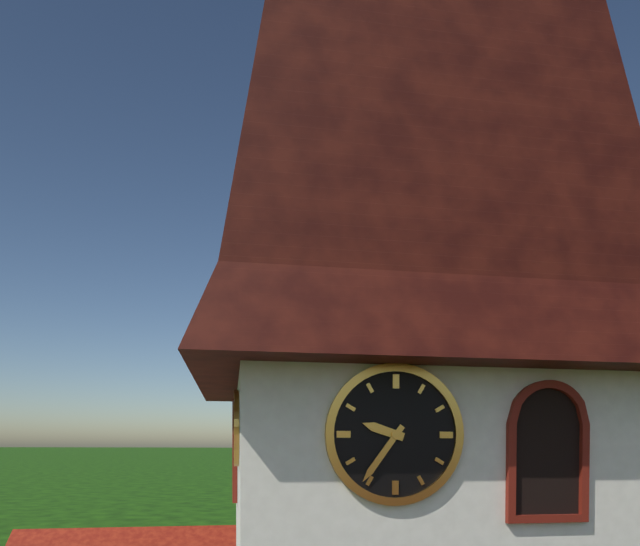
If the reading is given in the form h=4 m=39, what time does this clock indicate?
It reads h=9 m=36
